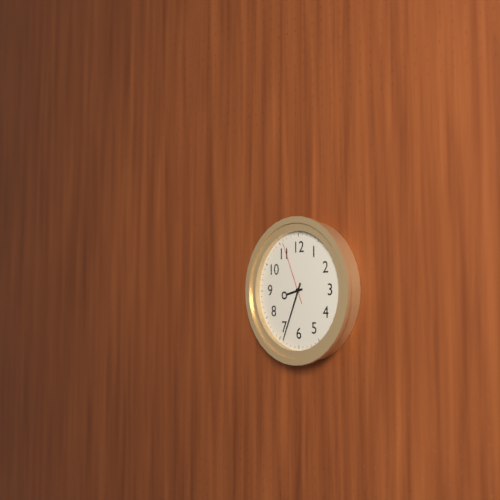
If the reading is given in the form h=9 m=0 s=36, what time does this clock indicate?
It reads h=8 m=34 s=56
